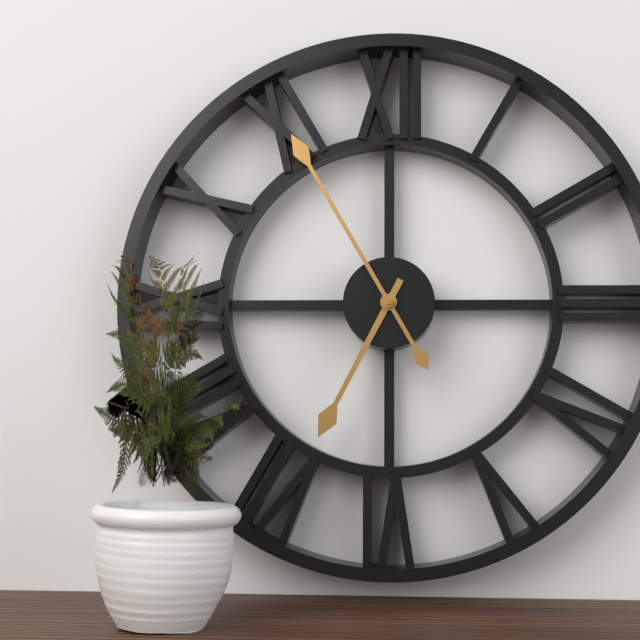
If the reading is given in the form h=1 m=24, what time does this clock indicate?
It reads h=6 m=55
